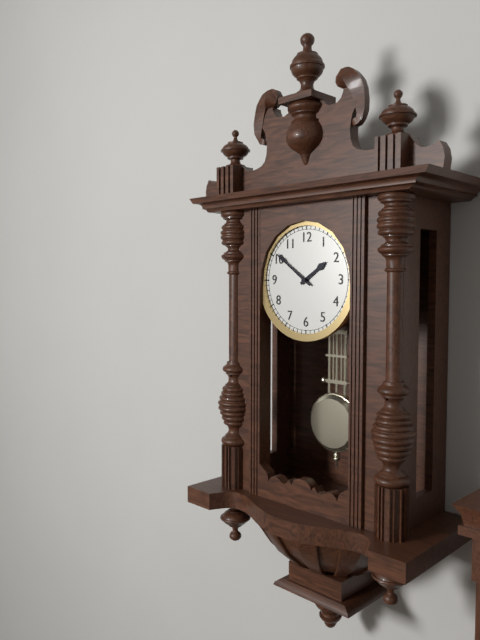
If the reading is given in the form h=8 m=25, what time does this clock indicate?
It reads h=1 m=51
